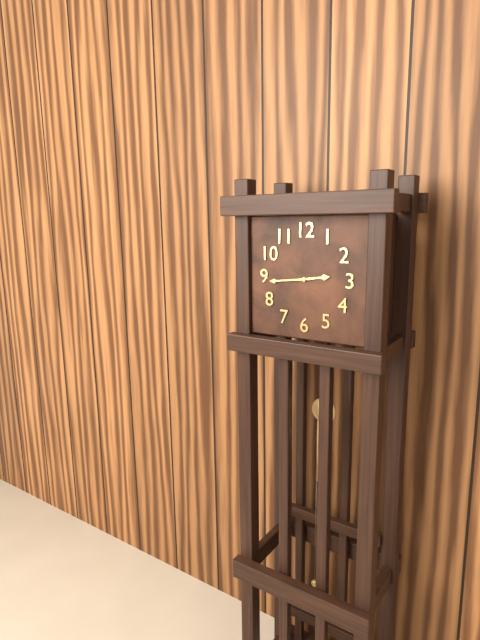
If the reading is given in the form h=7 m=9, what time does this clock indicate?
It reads h=2 m=44
